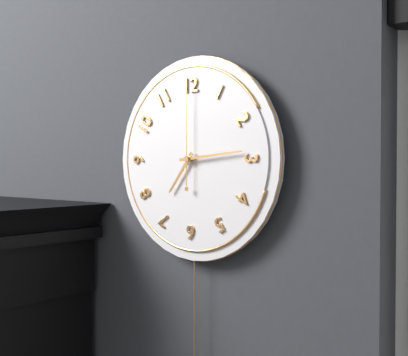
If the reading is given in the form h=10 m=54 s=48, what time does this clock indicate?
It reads h=7 m=14 s=0
